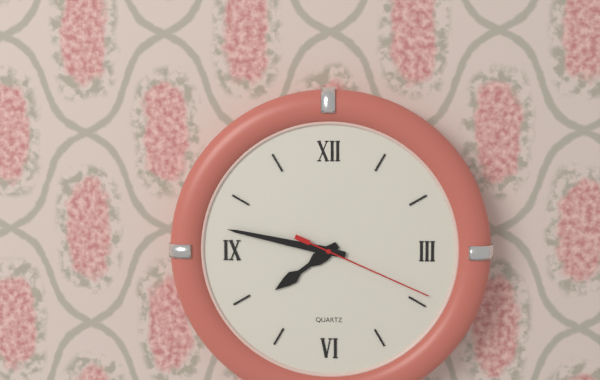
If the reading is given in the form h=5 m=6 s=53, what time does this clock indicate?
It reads h=7 m=47 s=19
